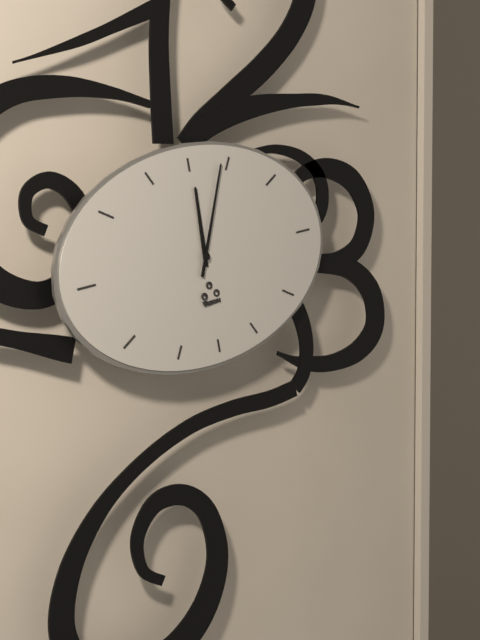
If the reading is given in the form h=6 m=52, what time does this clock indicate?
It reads h=12 m=4
